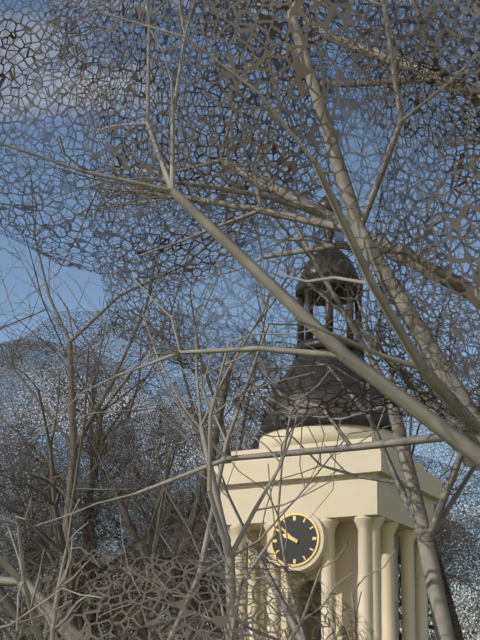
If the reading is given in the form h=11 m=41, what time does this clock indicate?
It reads h=9 m=52
